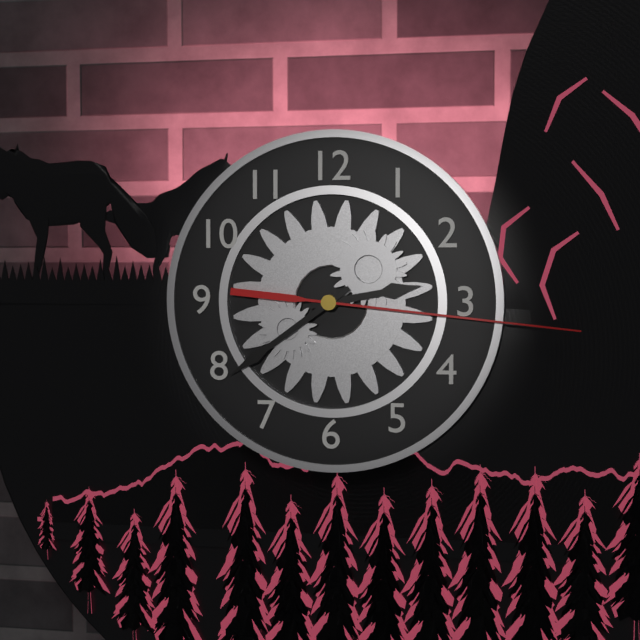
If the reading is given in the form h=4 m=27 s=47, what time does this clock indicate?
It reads h=2 m=39 s=16
